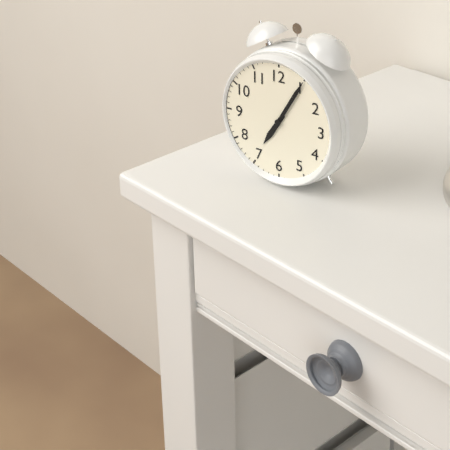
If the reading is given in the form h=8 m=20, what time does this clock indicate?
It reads h=7 m=5
